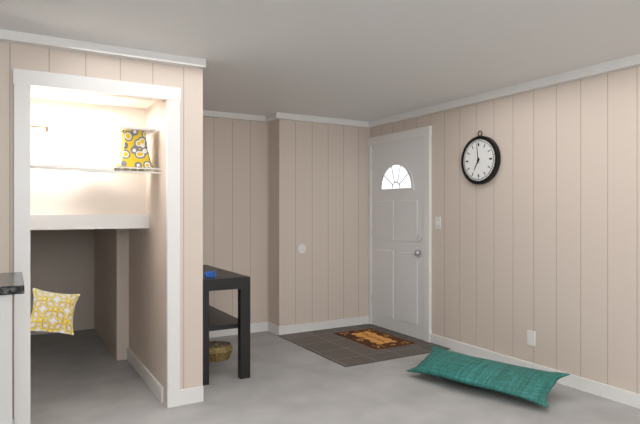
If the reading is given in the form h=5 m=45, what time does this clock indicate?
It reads h=6 m=59
